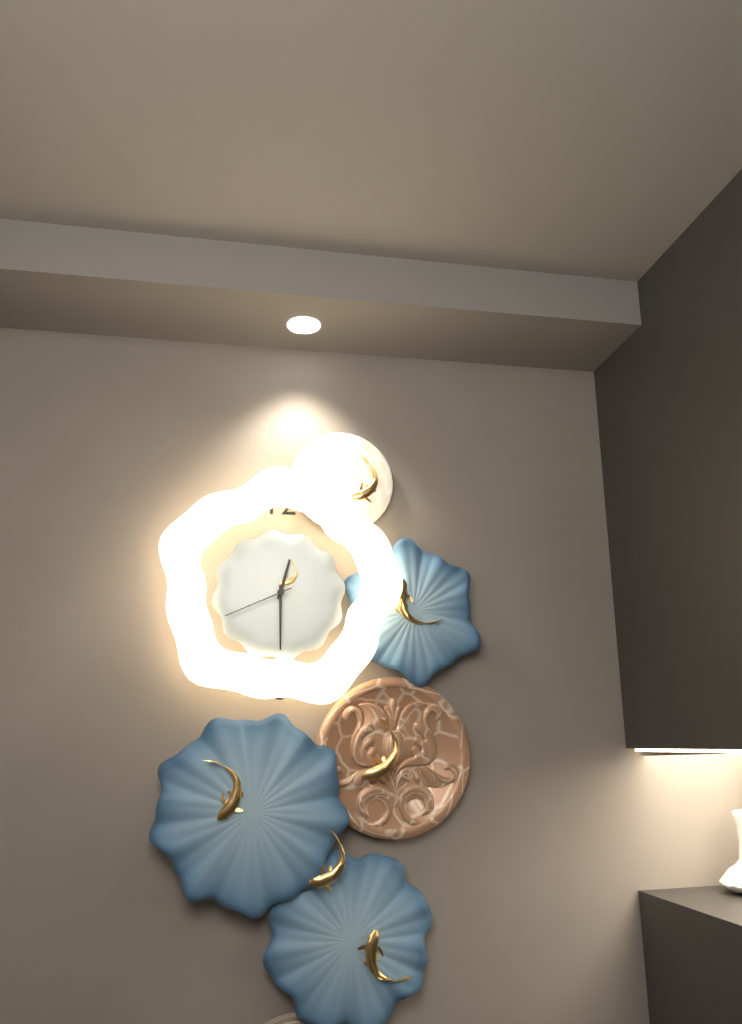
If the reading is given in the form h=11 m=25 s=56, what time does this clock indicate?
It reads h=12 m=30 s=41
